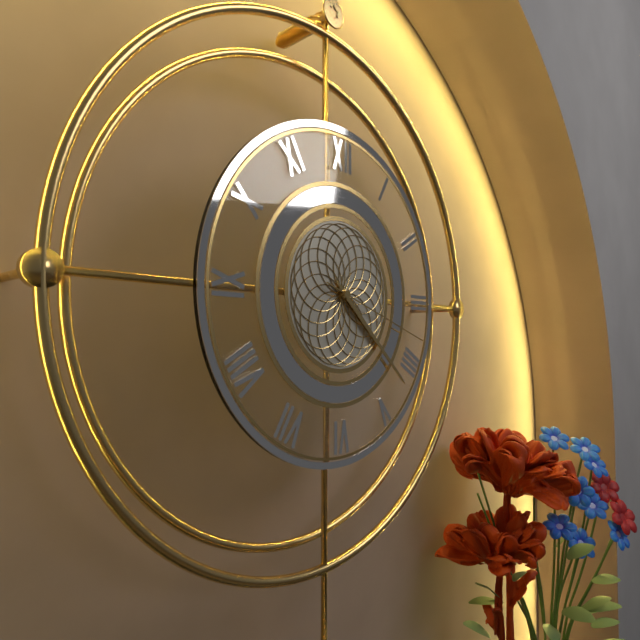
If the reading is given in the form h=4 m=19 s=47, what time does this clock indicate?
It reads h=4 m=22 s=18
